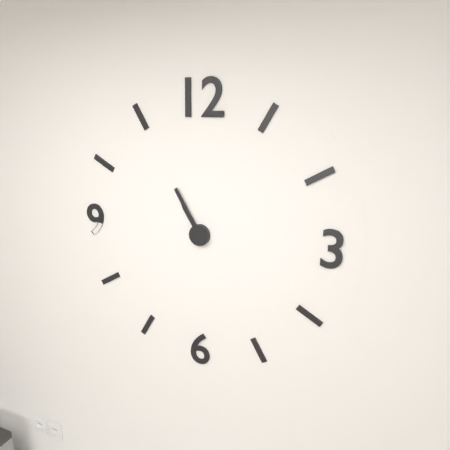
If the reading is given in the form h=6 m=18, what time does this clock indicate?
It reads h=10 m=55
